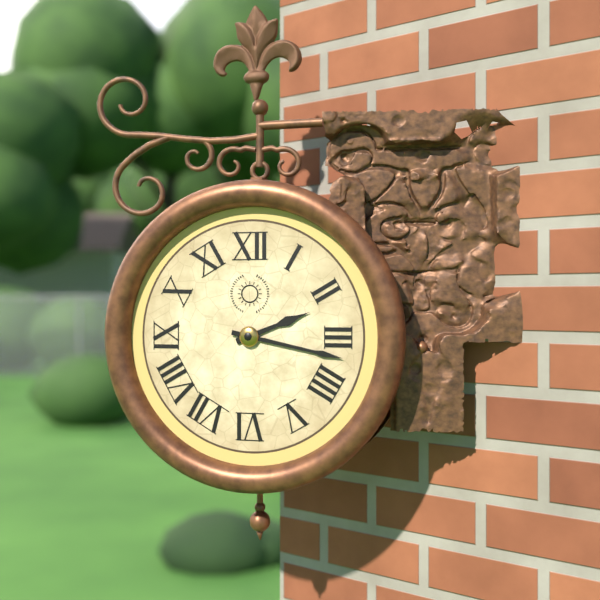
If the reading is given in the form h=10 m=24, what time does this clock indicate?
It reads h=2 m=17
